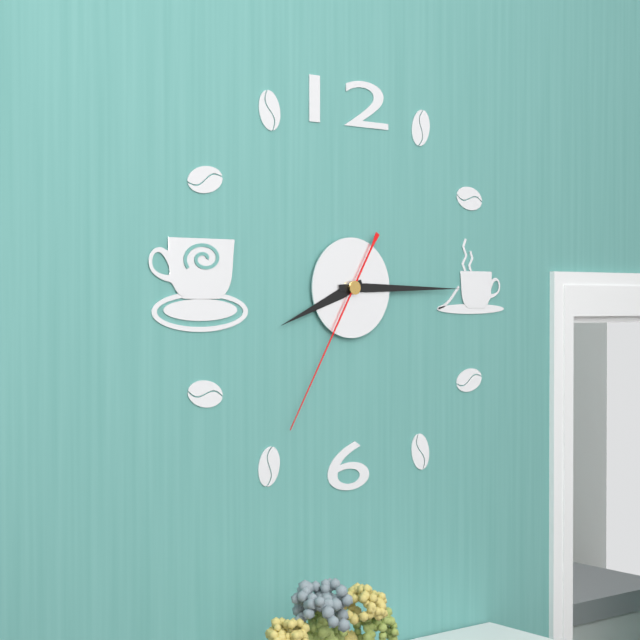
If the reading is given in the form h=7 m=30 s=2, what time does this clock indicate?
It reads h=8 m=15 s=35
